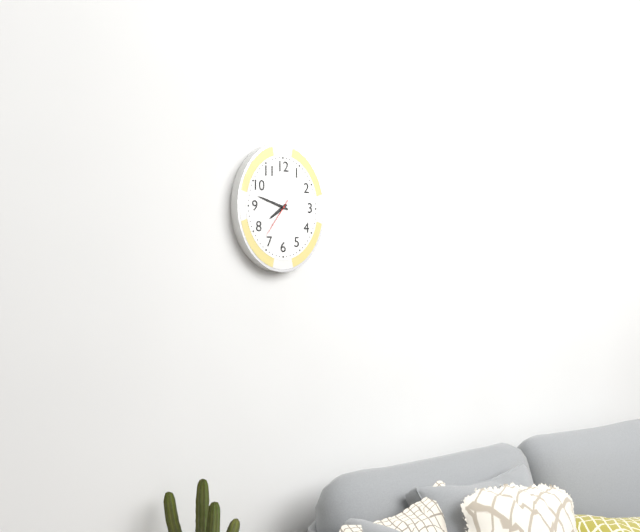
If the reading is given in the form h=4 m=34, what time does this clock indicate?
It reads h=7 m=48
